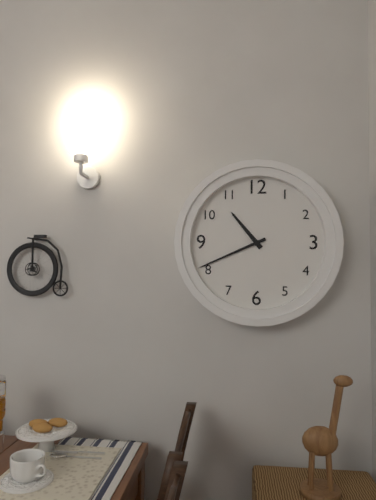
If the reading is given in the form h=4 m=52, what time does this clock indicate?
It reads h=10 m=41
